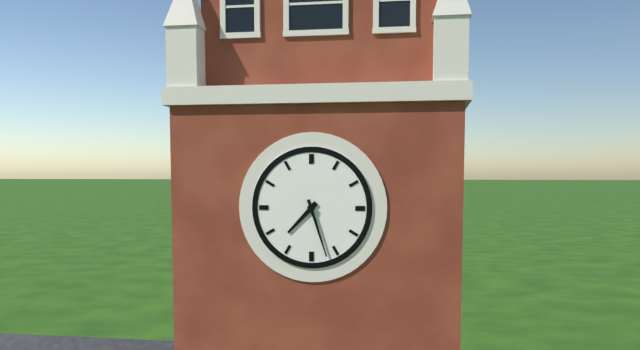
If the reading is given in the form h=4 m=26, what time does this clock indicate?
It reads h=7 m=27
